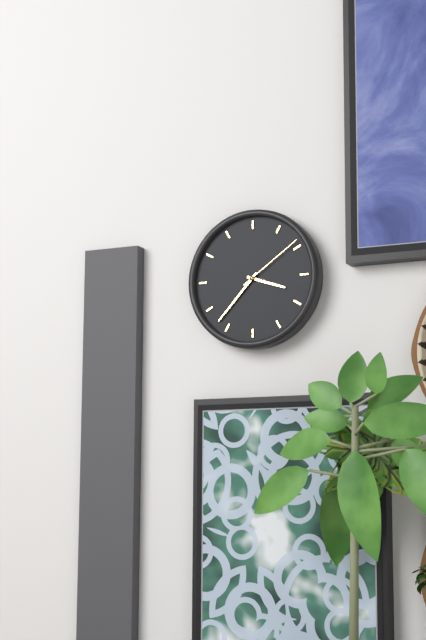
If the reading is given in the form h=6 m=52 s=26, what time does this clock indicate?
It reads h=3 m=37 s=9
